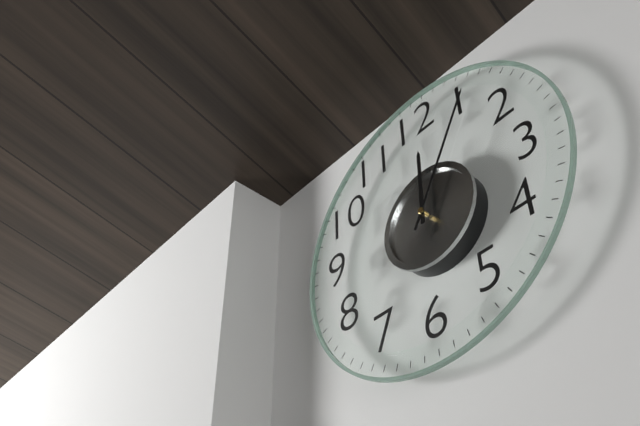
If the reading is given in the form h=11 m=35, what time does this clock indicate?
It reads h=12 m=5
